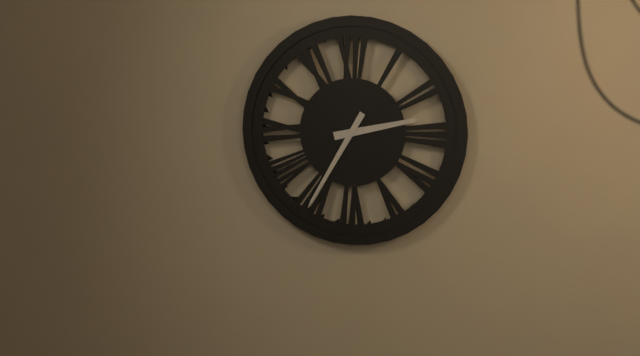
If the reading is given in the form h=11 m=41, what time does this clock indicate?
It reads h=2 m=35
